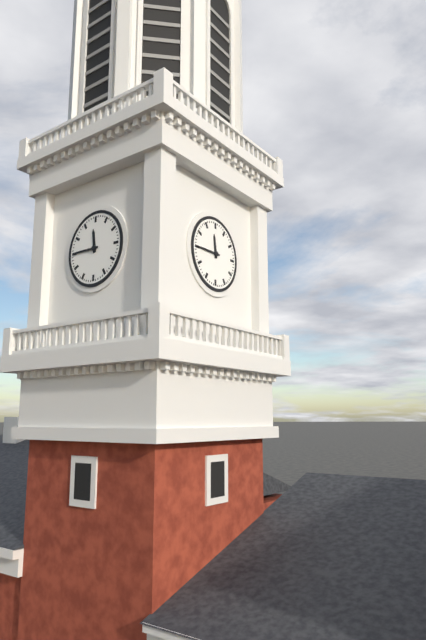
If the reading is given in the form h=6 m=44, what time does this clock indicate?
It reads h=11 m=45
